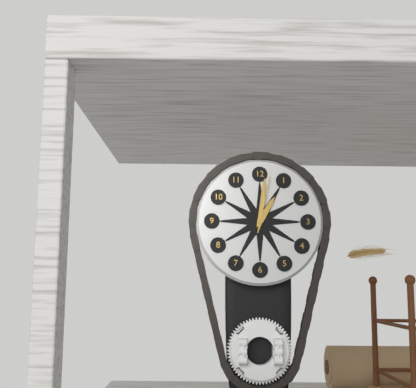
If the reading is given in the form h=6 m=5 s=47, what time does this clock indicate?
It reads h=1 m=1 s=2
